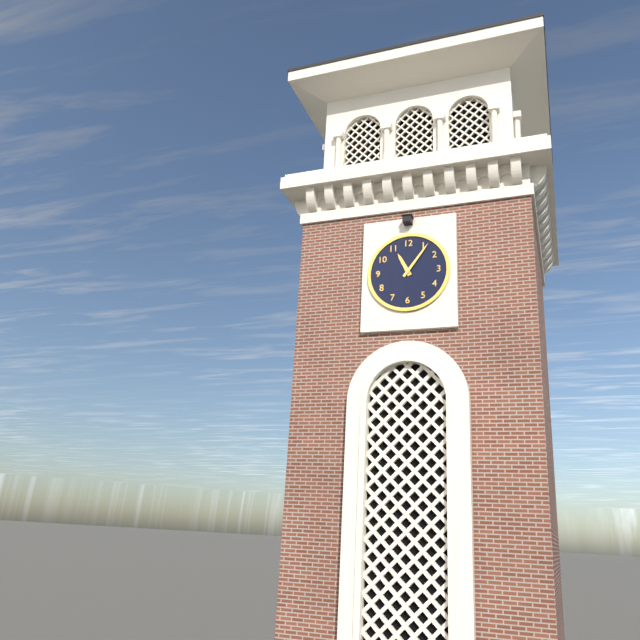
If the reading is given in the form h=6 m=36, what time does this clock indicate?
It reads h=11 m=6
